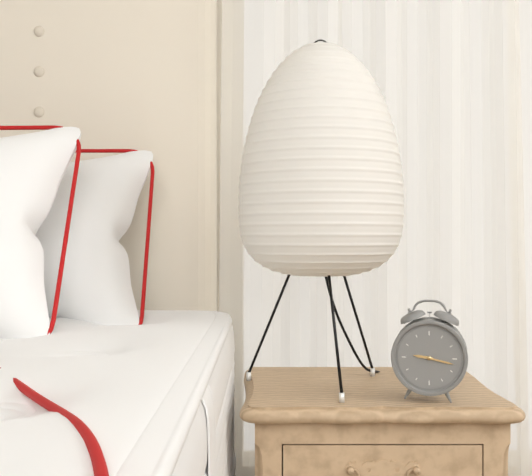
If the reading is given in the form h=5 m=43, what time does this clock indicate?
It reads h=9 m=17
